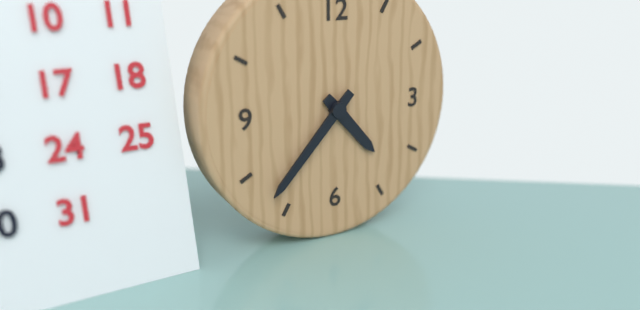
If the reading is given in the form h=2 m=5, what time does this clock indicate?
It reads h=4 m=37
